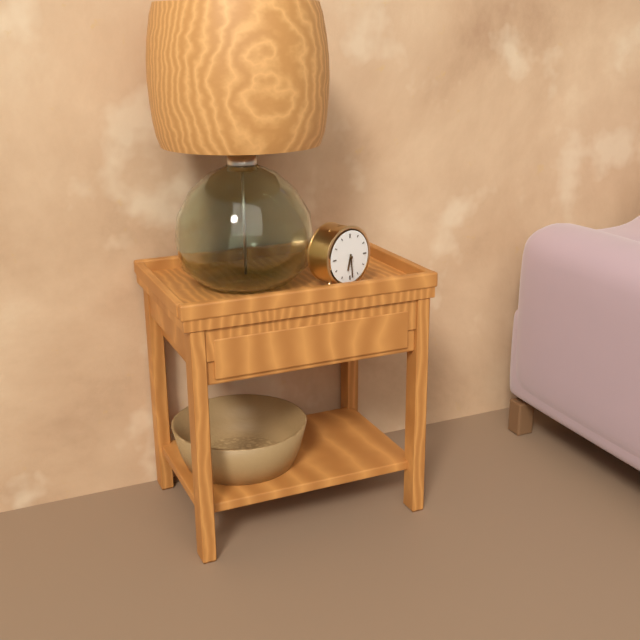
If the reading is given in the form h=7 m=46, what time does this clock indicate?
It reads h=6 m=29
